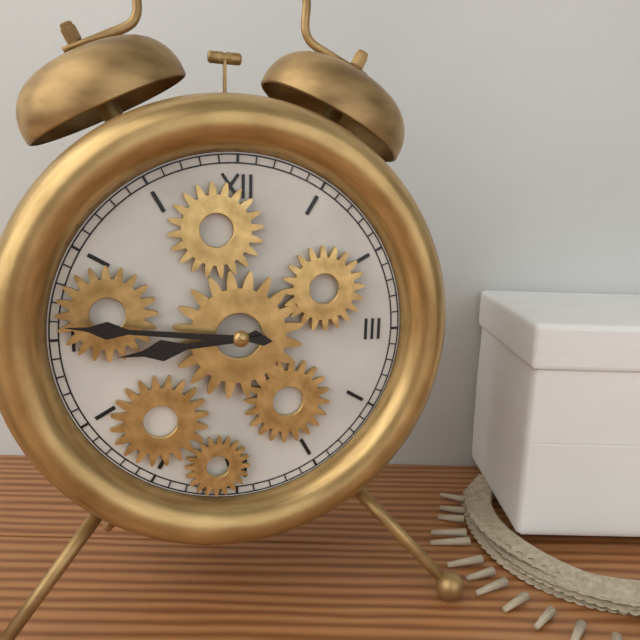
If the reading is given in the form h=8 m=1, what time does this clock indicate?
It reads h=8 m=46
